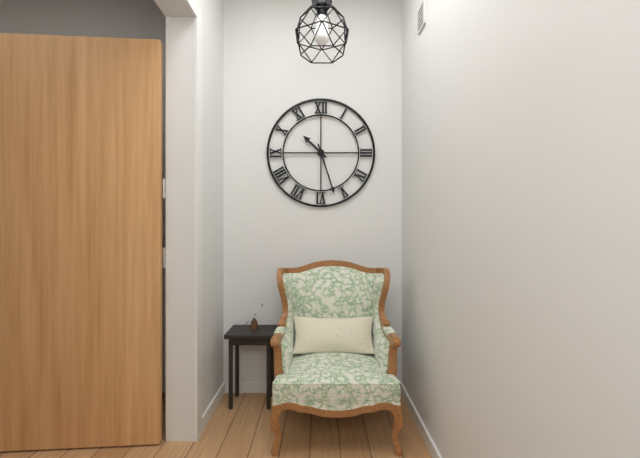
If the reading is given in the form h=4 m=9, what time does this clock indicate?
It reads h=10 m=27
